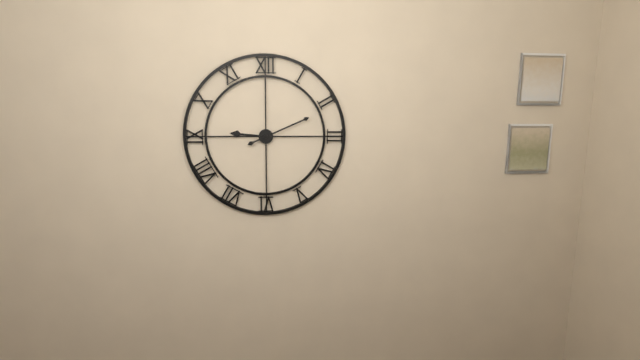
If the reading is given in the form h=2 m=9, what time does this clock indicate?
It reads h=9 m=11
